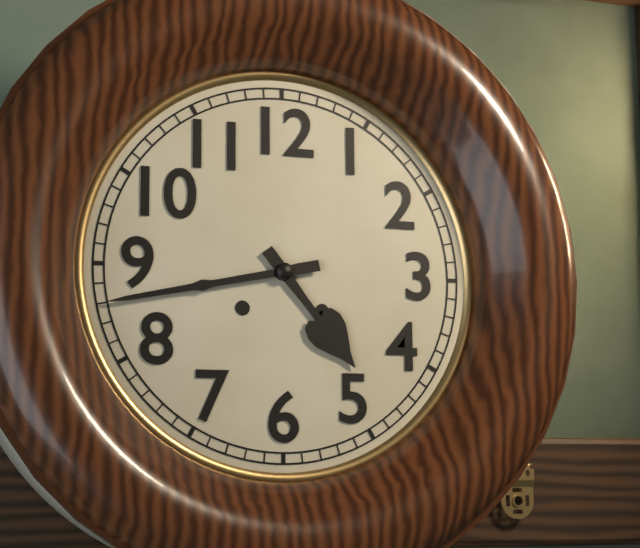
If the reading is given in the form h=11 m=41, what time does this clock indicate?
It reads h=4 m=43
